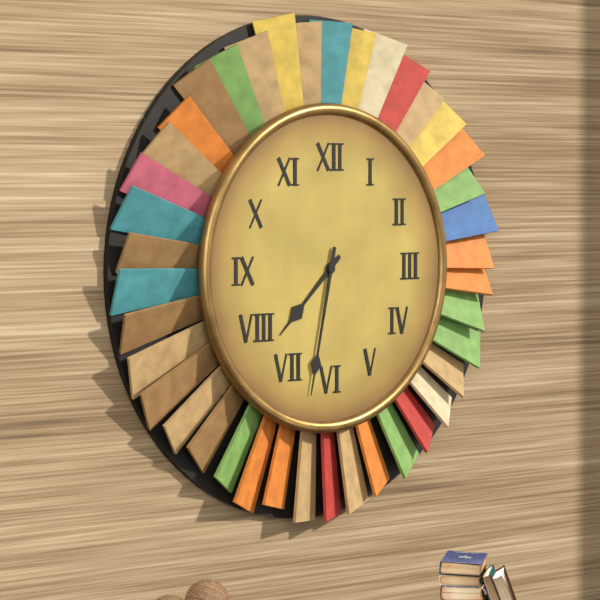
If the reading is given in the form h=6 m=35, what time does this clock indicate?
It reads h=7 m=32
